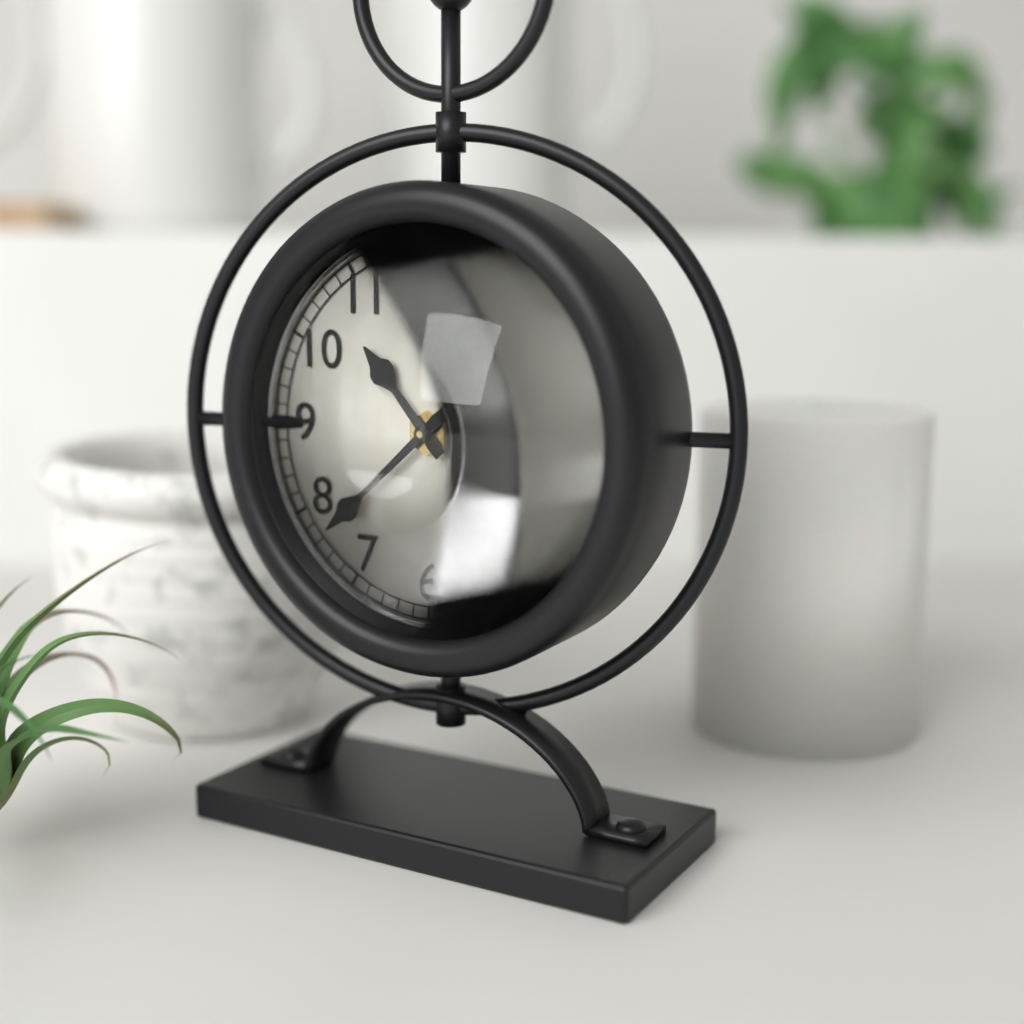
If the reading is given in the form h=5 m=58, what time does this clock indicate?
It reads h=10 m=38
